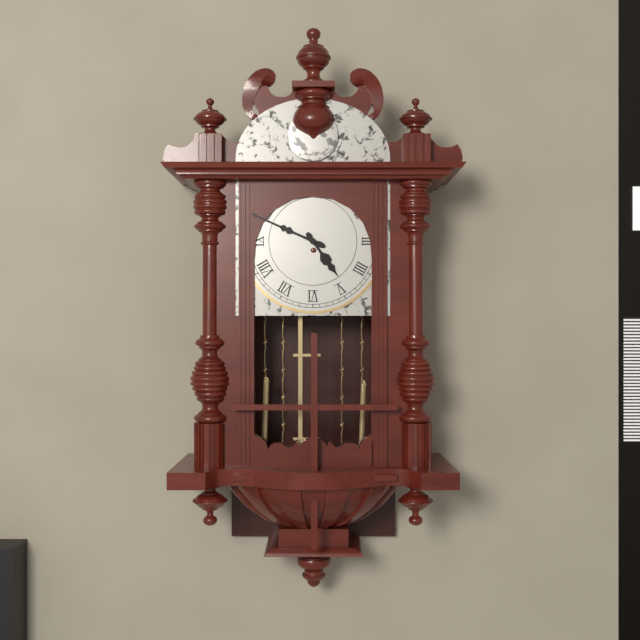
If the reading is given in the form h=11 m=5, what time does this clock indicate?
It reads h=4 m=49
